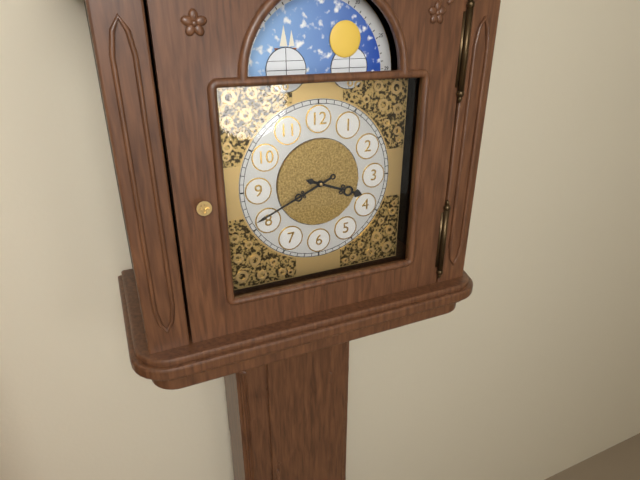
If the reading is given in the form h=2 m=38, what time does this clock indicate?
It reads h=3 m=41
